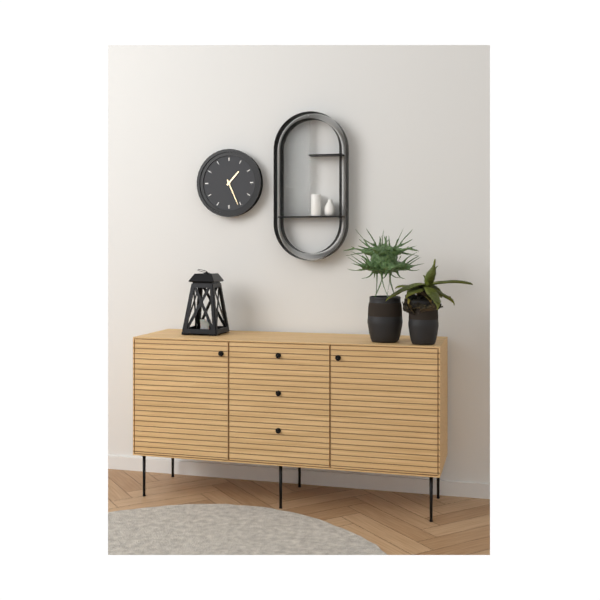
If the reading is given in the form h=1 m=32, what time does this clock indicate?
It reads h=1 m=26
